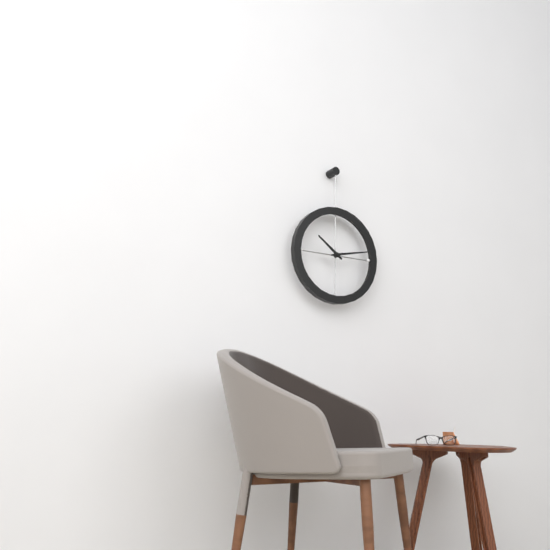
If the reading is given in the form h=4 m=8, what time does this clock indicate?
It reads h=10 m=13
